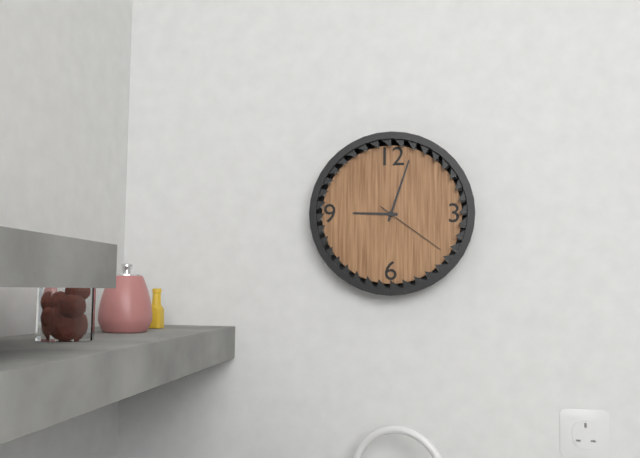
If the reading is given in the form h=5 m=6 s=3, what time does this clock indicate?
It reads h=9 m=3 s=21
